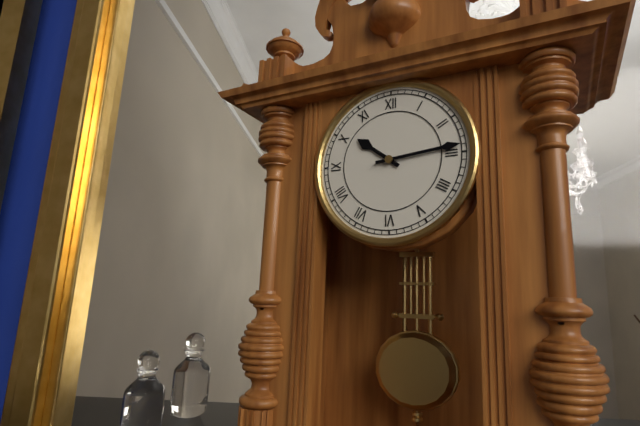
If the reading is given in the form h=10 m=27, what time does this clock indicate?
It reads h=10 m=14
